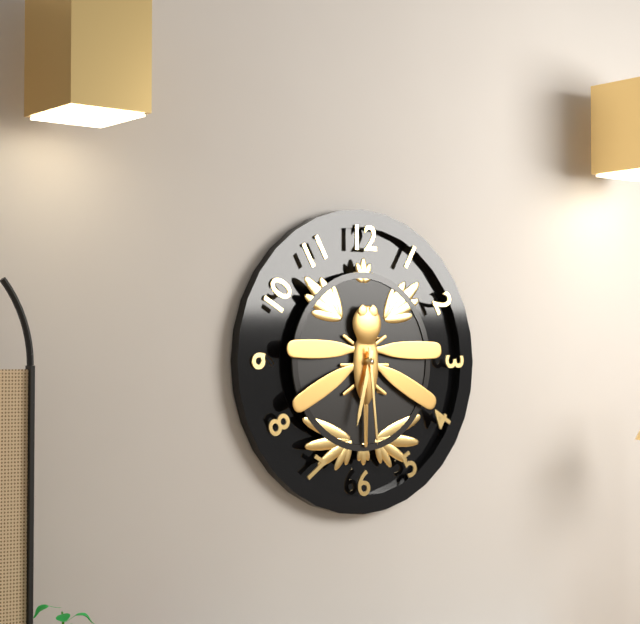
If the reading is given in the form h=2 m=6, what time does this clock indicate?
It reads h=6 m=29
